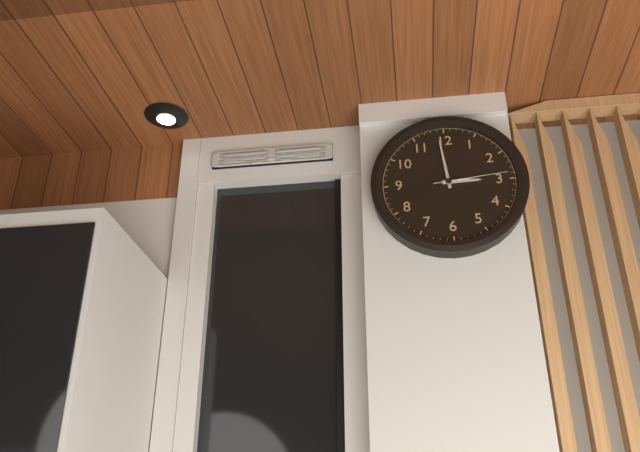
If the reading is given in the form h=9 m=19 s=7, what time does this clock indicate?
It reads h=2 m=59 s=14
